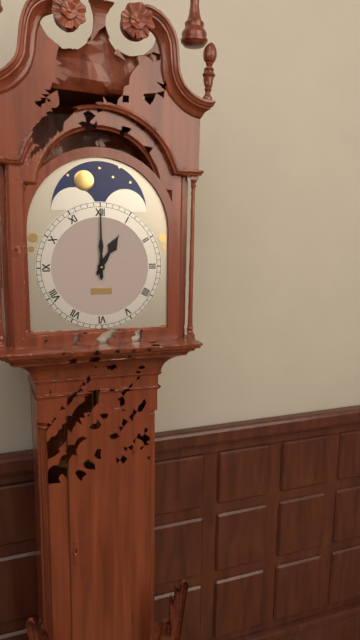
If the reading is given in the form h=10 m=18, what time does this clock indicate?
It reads h=1 m=0
